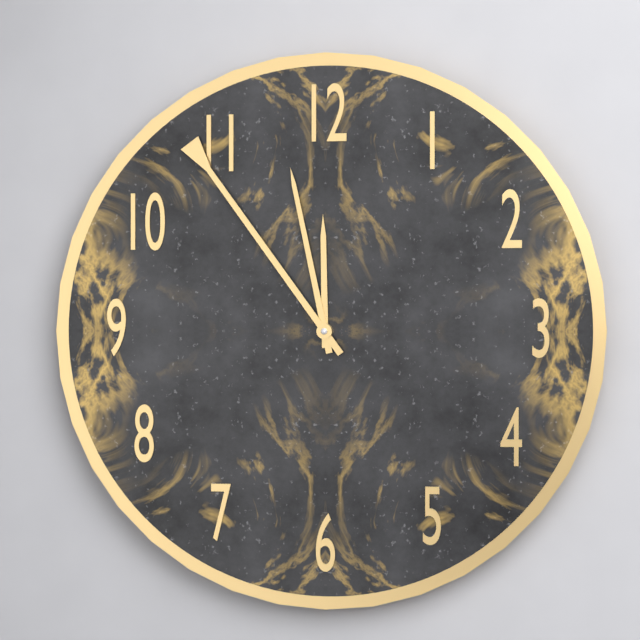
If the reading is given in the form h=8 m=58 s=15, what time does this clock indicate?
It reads h=11 m=58 s=54
